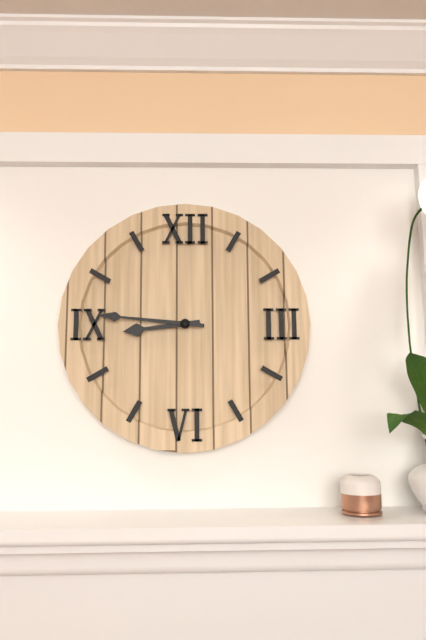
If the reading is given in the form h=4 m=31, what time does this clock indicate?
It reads h=8 m=46
